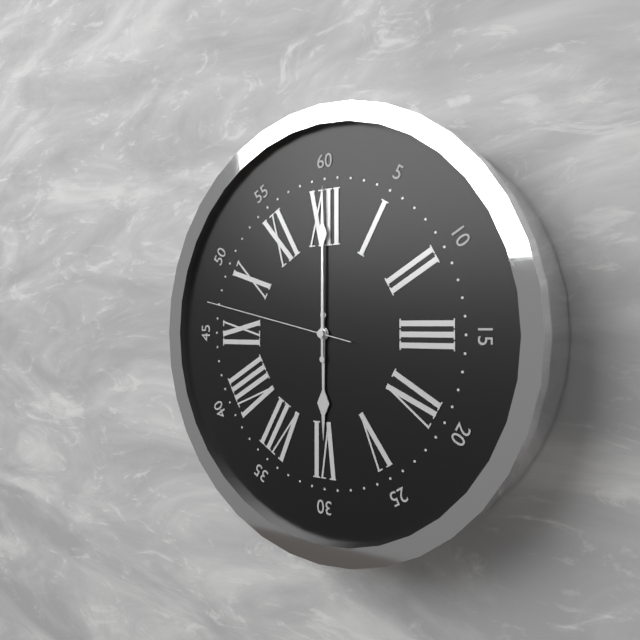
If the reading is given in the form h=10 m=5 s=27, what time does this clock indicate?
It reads h=6 m=0 s=47
